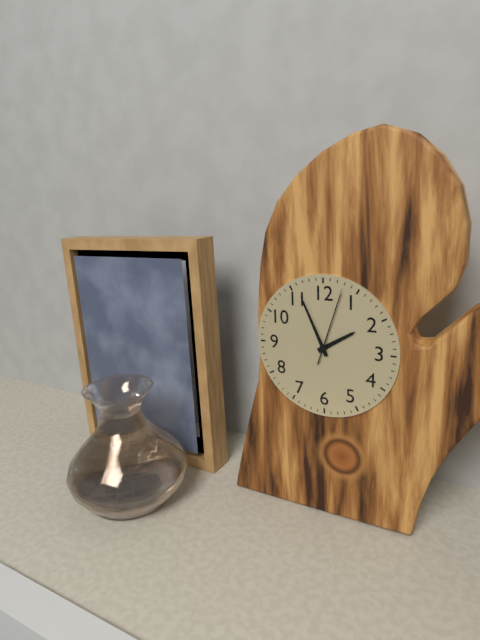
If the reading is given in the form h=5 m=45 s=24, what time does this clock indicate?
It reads h=1 m=56 s=3
